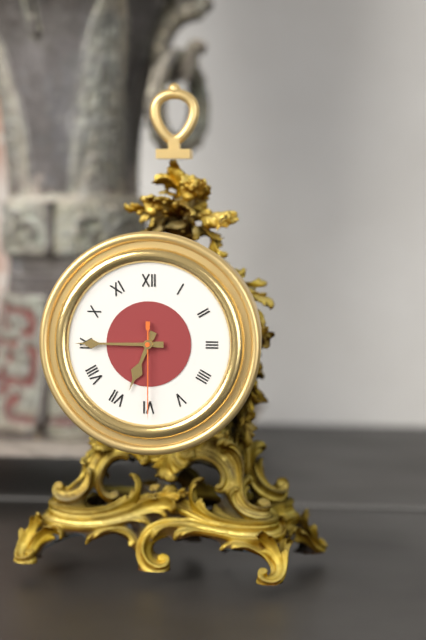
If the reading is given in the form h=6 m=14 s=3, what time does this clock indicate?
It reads h=6 m=45 s=30
